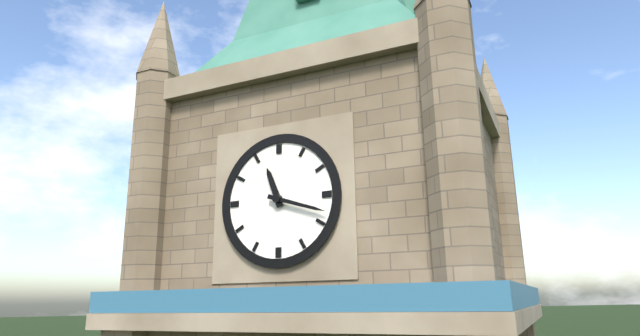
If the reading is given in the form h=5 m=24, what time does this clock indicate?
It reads h=11 m=18
